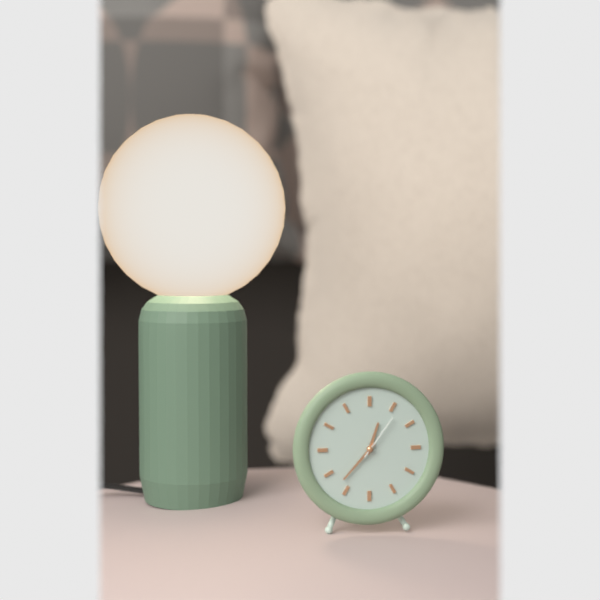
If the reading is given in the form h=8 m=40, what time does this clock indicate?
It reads h=12 m=37
